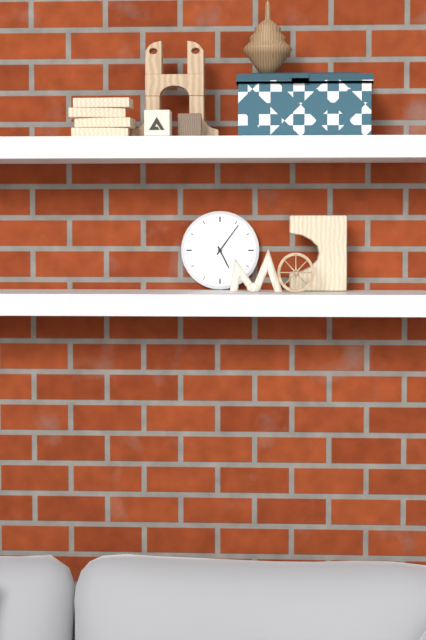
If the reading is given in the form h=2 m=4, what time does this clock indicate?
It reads h=5 m=6
